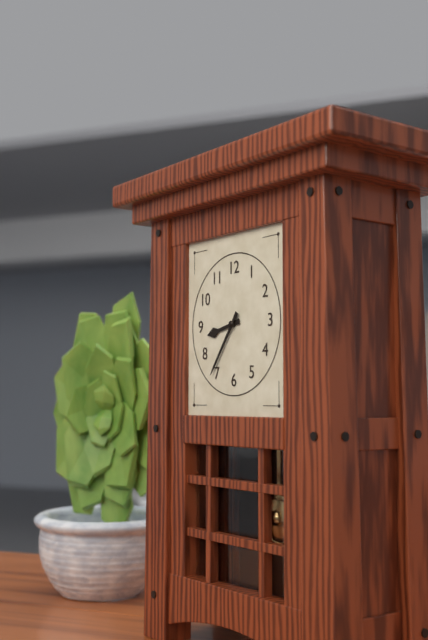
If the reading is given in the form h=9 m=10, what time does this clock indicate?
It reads h=8 m=36
